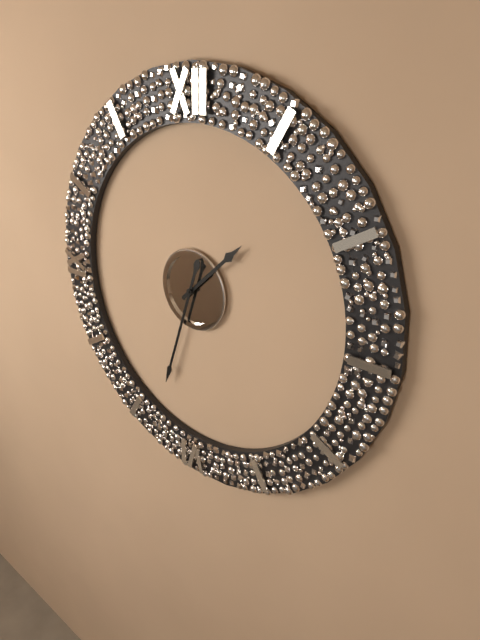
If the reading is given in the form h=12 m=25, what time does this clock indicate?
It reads h=1 m=33
